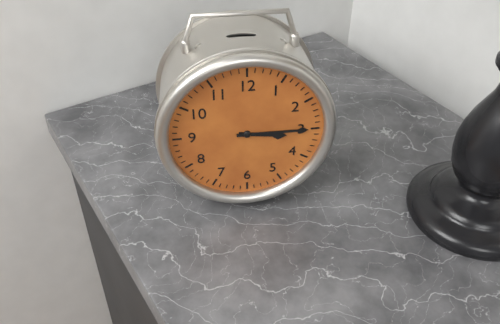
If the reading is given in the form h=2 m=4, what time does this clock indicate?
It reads h=3 m=15
